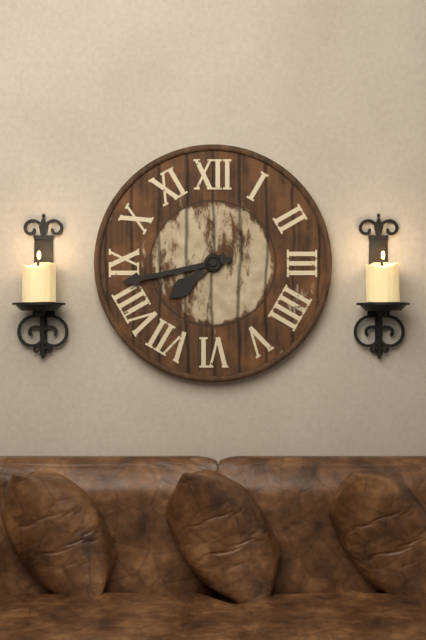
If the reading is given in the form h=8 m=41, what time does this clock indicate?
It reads h=7 m=43
